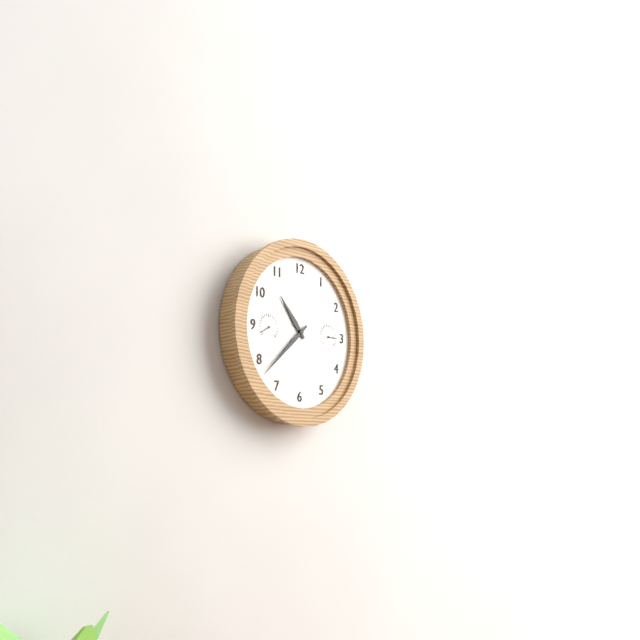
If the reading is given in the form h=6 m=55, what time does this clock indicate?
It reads h=10 m=38
